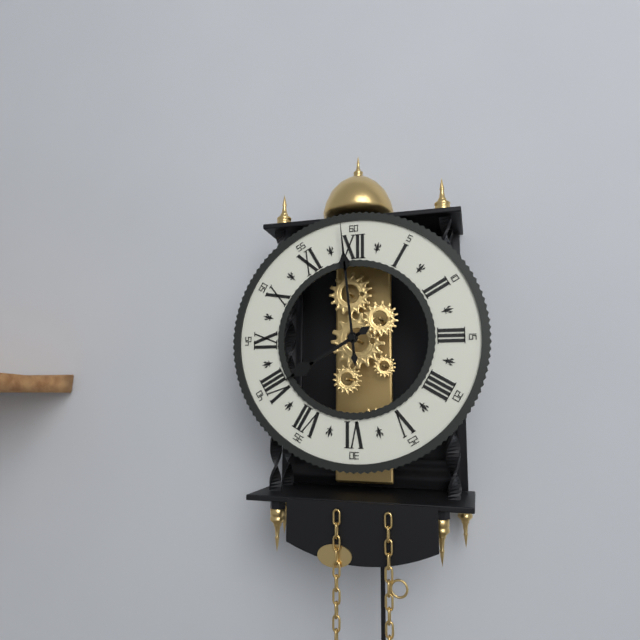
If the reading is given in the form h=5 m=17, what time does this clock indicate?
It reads h=7 m=59
